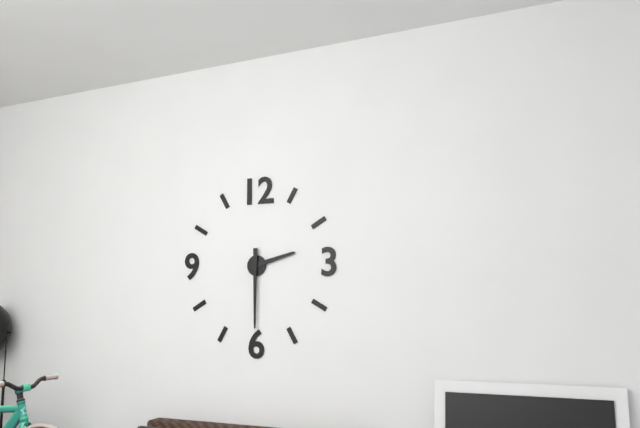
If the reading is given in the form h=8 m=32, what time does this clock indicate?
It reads h=2 m=30
